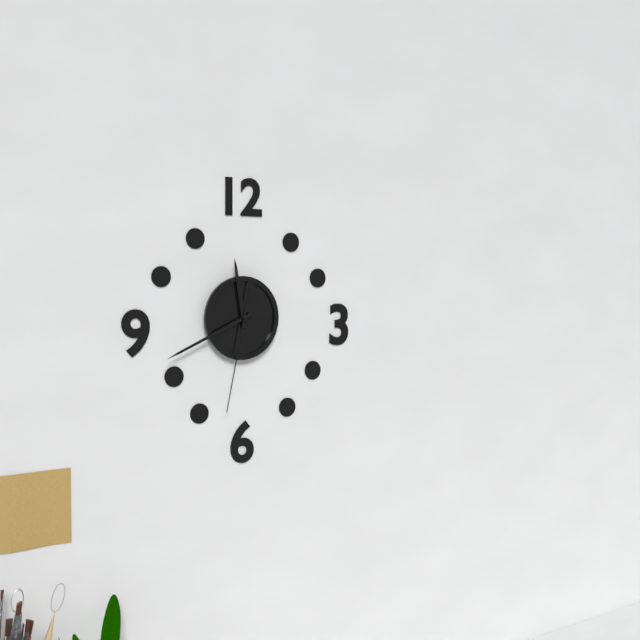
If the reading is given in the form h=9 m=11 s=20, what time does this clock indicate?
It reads h=11 m=41 s=32
